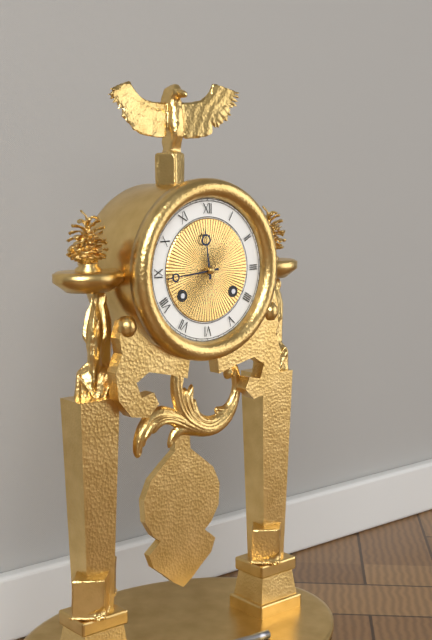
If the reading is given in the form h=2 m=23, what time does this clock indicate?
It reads h=11 m=44
